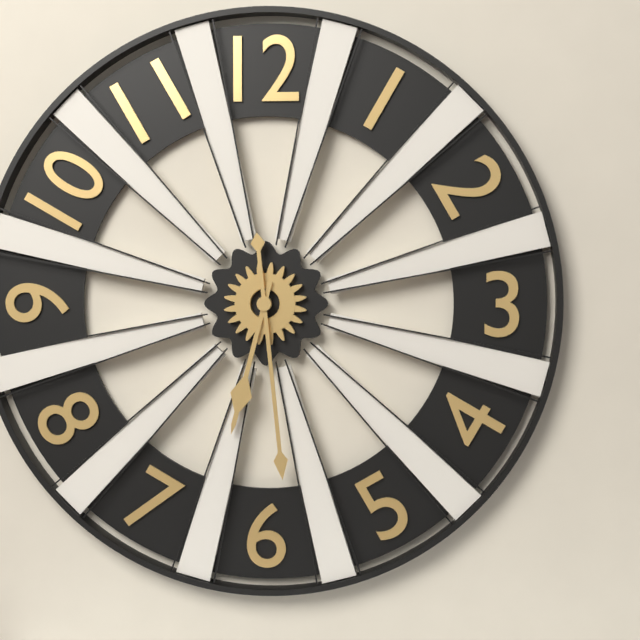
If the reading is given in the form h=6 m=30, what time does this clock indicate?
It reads h=6 m=29
